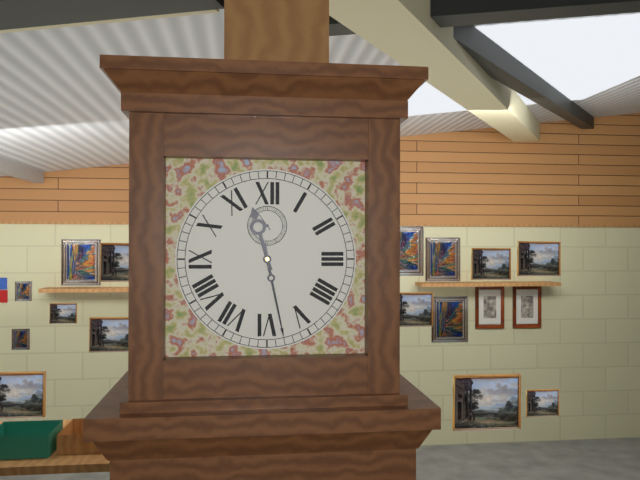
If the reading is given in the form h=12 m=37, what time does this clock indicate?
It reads h=11 m=28
